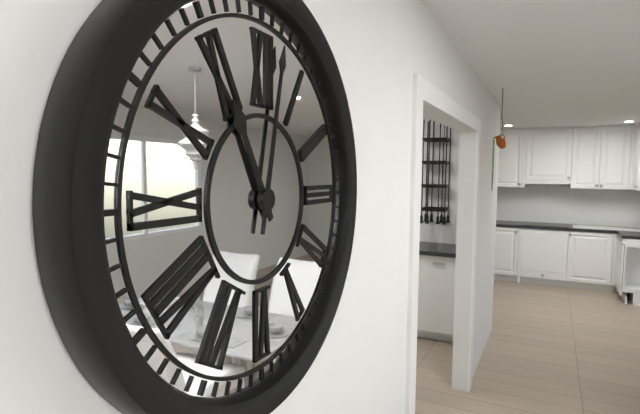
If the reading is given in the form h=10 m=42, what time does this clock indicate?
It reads h=11 m=2
